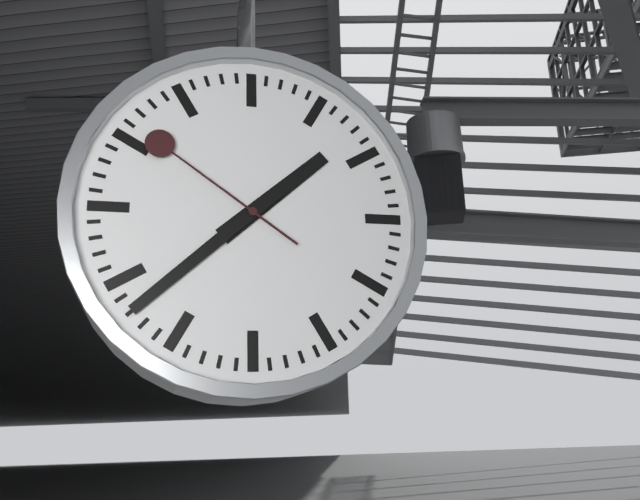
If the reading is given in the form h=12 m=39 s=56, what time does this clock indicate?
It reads h=1 m=38 s=51
